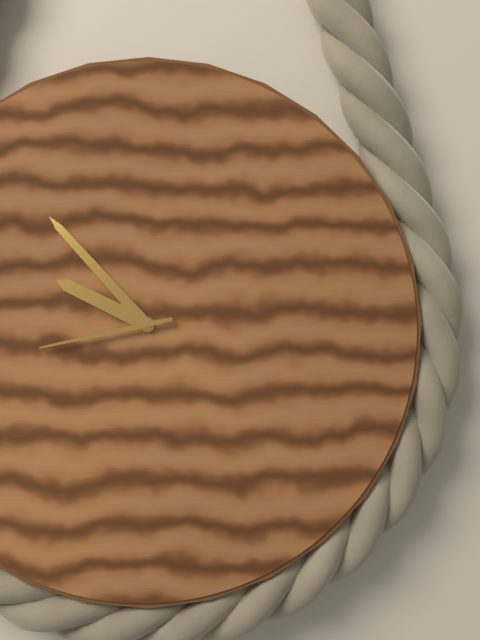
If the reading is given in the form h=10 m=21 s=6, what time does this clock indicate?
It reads h=9 m=53 s=43
